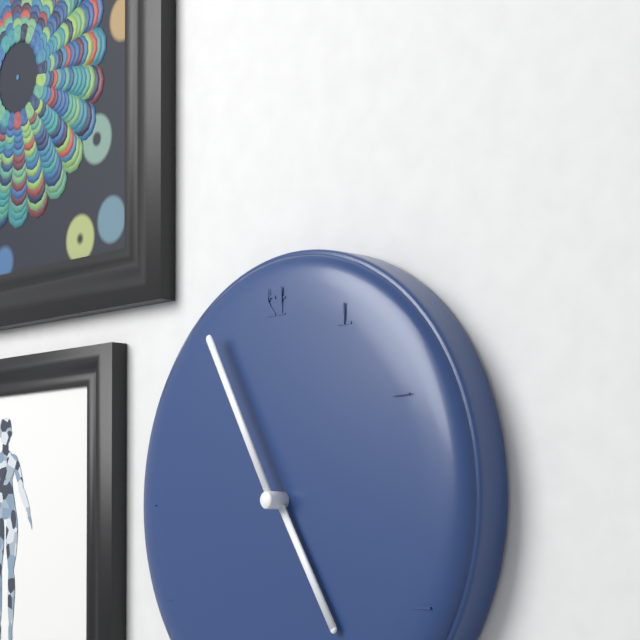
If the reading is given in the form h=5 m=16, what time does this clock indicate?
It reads h=4 m=55
